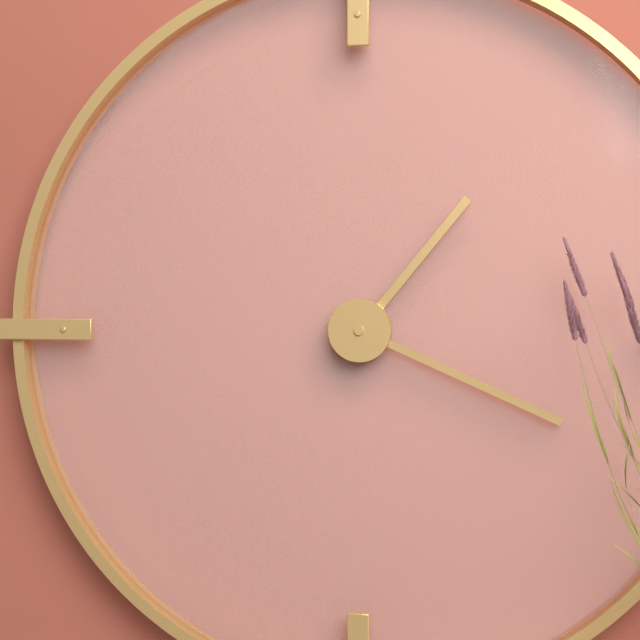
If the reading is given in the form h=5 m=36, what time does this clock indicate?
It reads h=1 m=19
